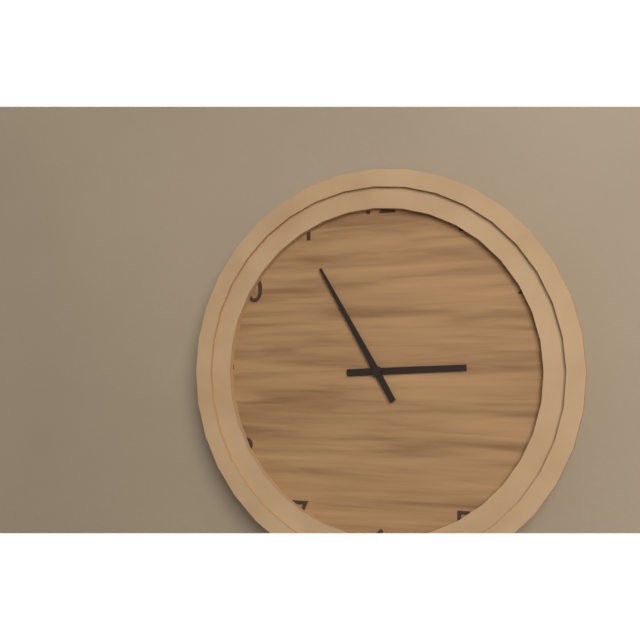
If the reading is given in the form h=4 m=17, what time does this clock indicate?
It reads h=2 m=55
